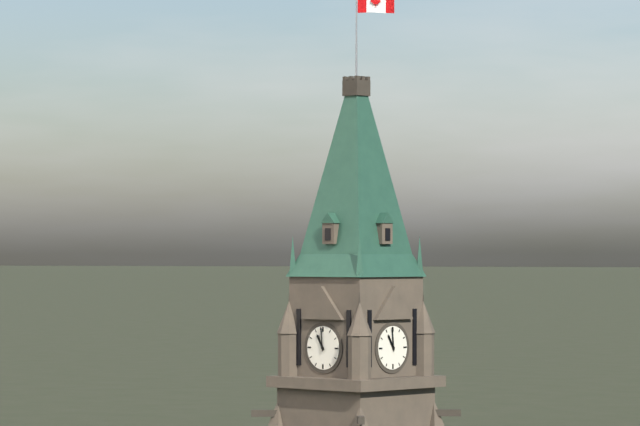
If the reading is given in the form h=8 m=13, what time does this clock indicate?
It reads h=10 m=59
